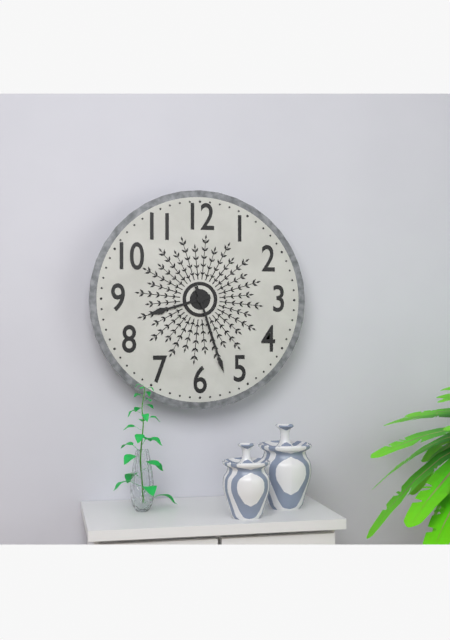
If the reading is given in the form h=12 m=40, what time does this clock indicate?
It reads h=8 m=27
